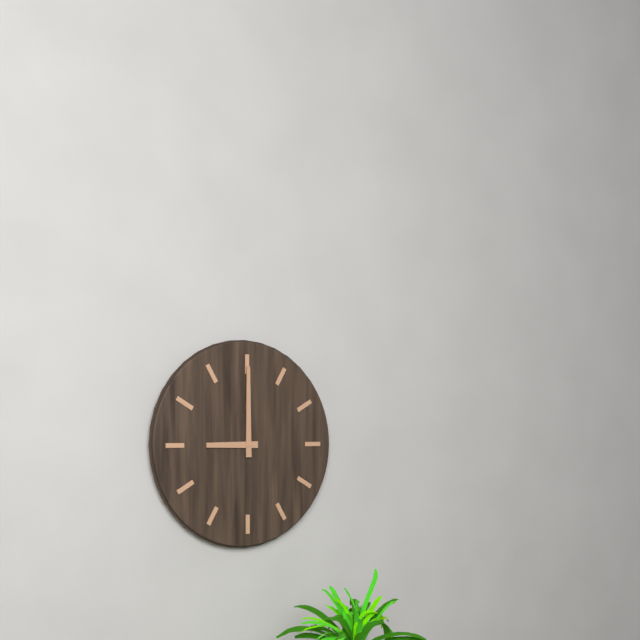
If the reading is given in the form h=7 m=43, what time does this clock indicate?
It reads h=9 m=0
